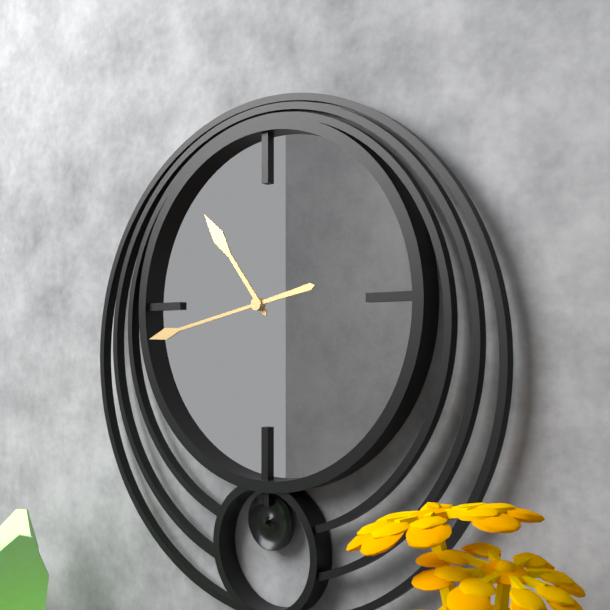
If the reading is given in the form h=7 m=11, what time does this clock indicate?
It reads h=10 m=43
